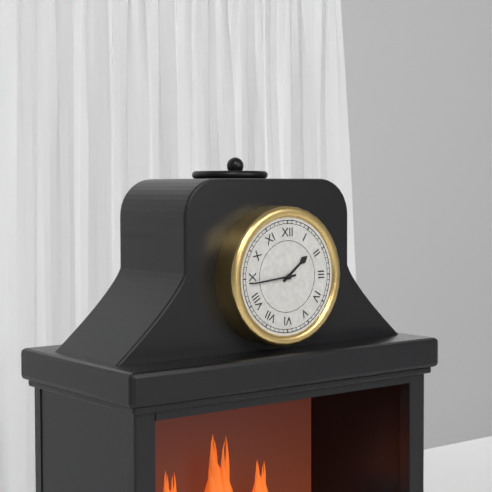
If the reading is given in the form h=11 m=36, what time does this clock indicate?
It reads h=1 m=44
